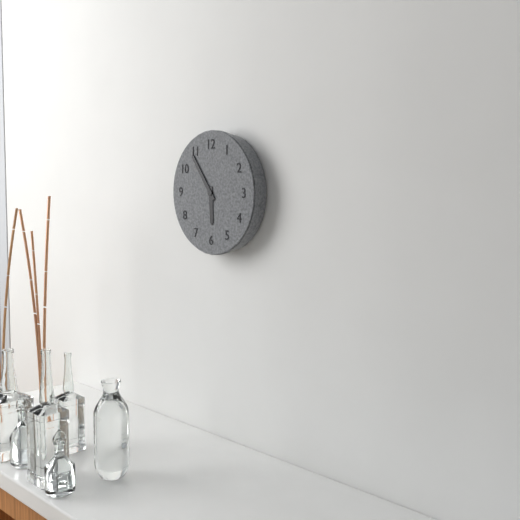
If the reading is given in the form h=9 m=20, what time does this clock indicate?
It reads h=5 m=54
